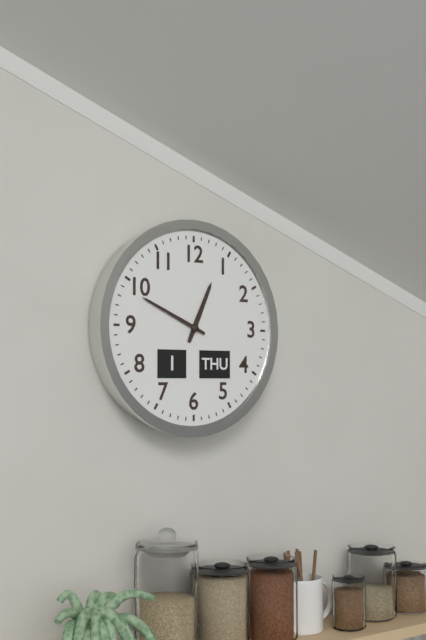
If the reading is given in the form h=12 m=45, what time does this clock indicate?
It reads h=12 m=49
